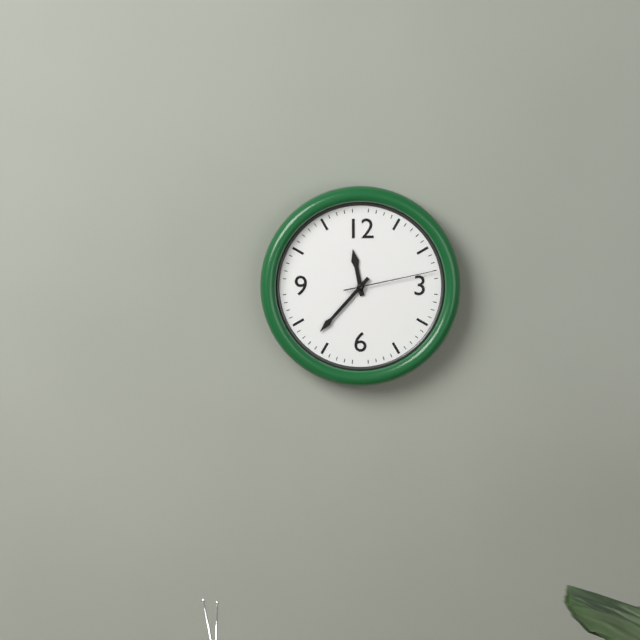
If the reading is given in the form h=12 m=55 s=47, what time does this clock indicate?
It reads h=11 m=37 s=13
